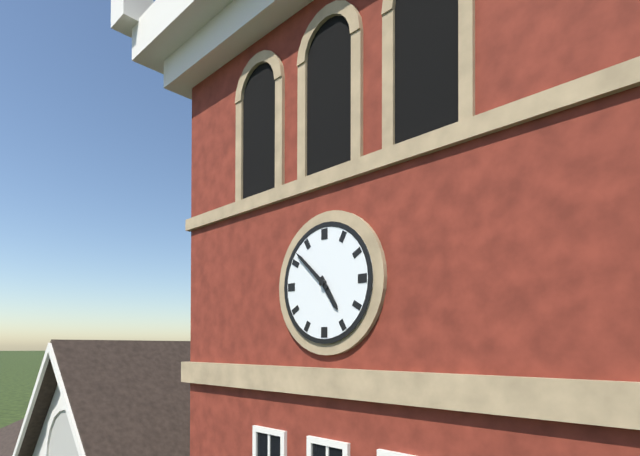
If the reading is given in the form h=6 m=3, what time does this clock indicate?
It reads h=4 m=52
